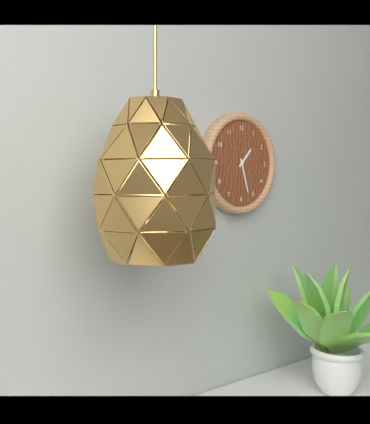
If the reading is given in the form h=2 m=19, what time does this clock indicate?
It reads h=1 m=27
